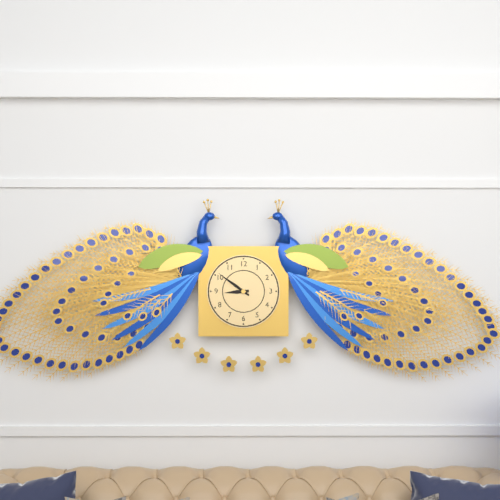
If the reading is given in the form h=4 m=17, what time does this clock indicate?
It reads h=8 m=51
